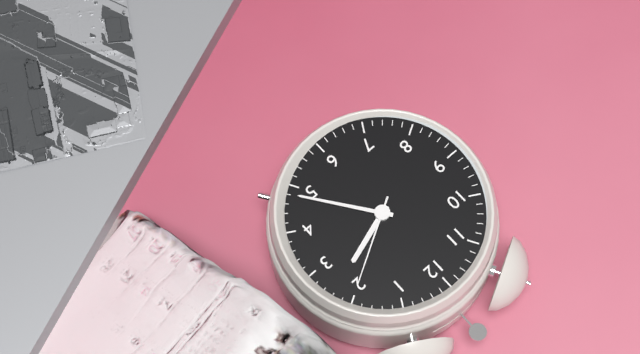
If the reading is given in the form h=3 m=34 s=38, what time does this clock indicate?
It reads h=2 m=24 s=10
